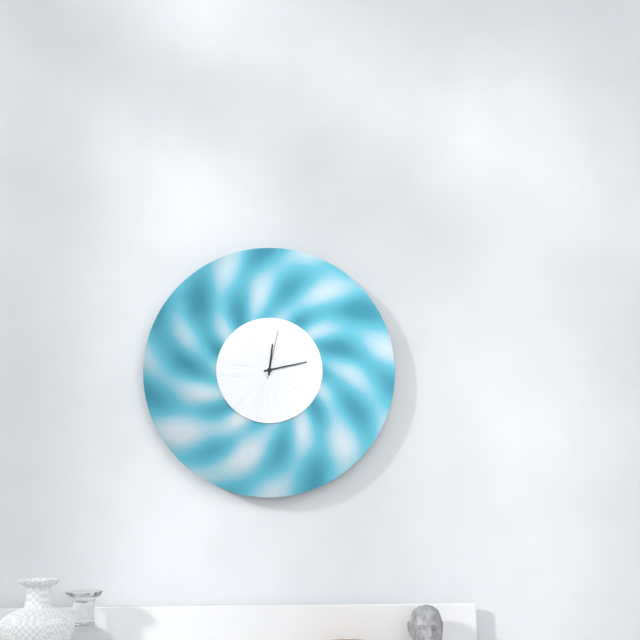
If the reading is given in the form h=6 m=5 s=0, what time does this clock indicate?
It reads h=12 m=13 s=2
